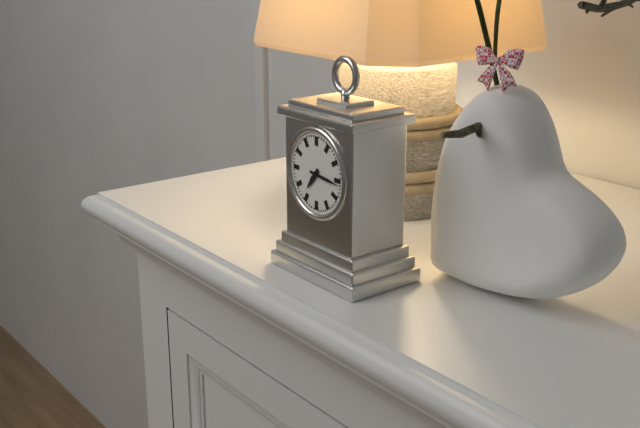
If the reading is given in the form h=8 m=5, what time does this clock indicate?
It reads h=7 m=16
